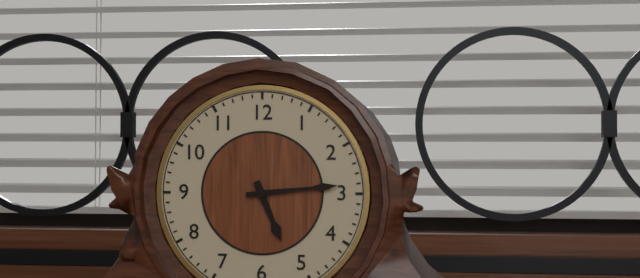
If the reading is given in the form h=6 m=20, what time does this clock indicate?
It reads h=5 m=14
